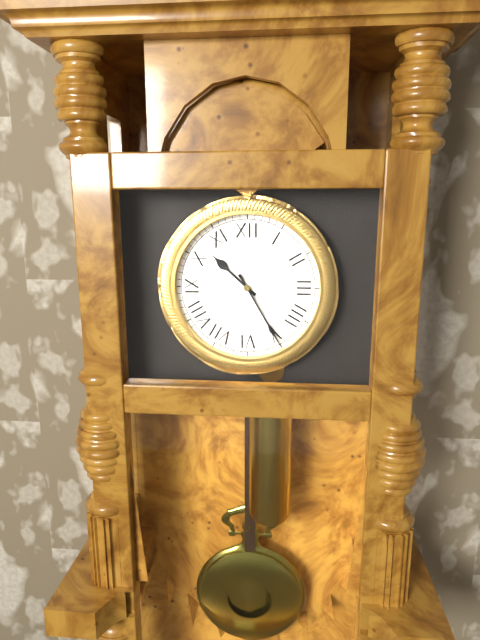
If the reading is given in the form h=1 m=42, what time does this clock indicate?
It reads h=10 m=25
